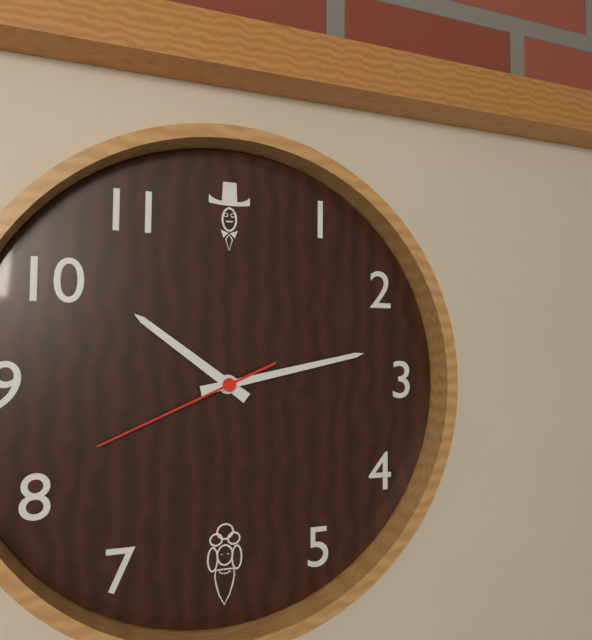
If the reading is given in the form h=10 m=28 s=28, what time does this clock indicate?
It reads h=10 m=13 s=41
